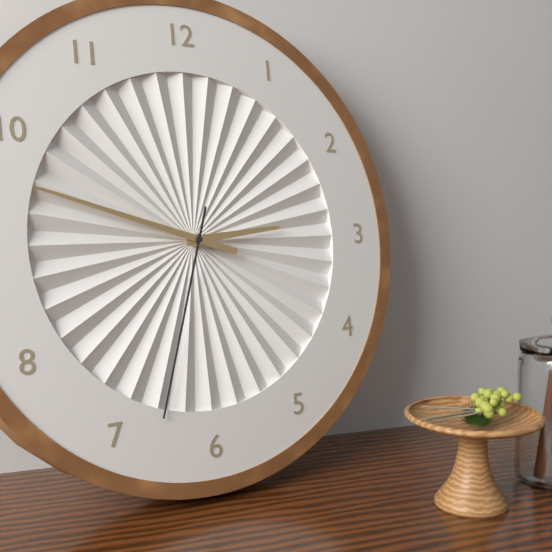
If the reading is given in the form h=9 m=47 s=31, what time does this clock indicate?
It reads h=2 m=48 s=33
